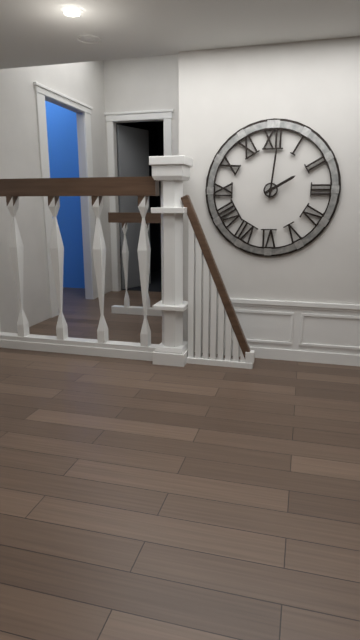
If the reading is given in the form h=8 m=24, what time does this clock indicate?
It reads h=2 m=1
